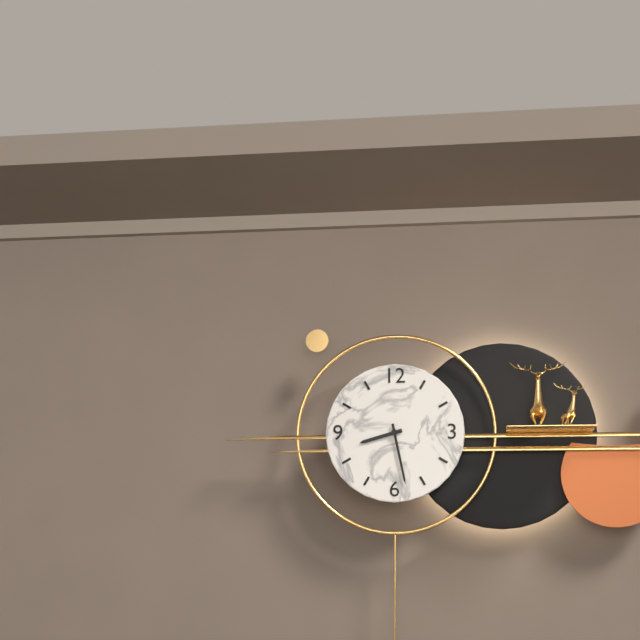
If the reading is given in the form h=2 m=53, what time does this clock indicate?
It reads h=8 m=28
